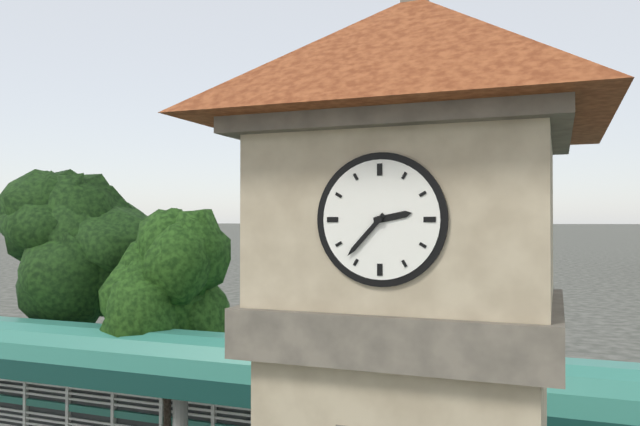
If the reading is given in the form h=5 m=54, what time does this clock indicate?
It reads h=2 m=37
